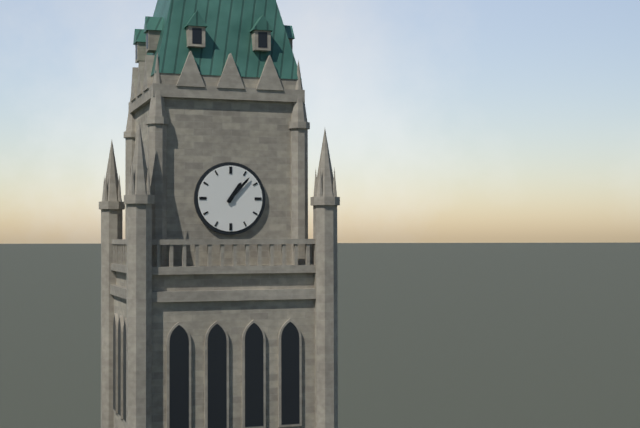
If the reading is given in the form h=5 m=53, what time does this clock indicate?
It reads h=1 m=7
